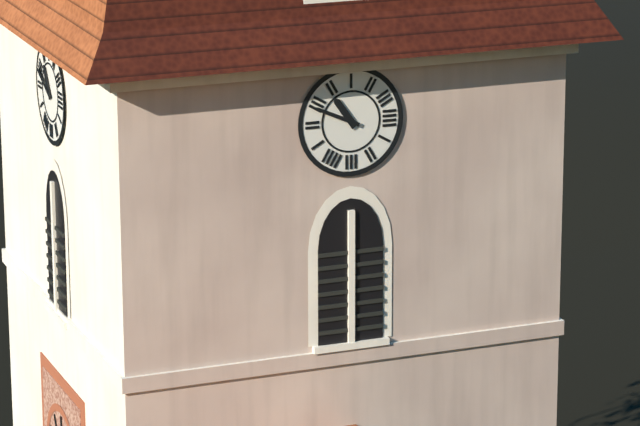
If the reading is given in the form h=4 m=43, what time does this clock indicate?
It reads h=10 m=49
